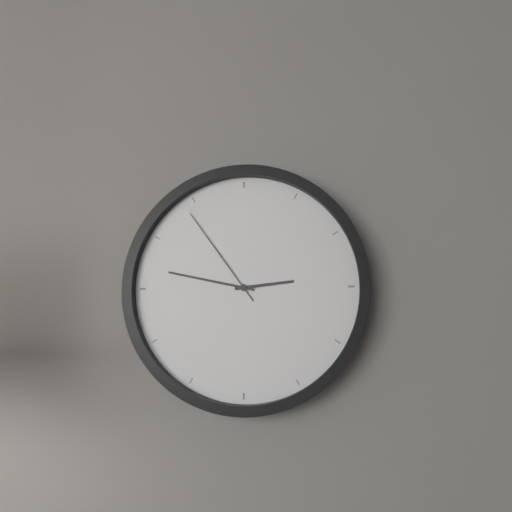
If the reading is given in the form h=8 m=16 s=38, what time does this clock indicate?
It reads h=2 m=47 s=54
